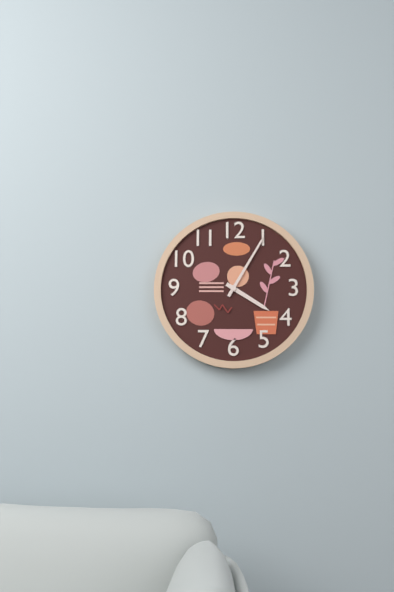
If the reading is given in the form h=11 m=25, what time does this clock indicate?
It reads h=4 m=5
